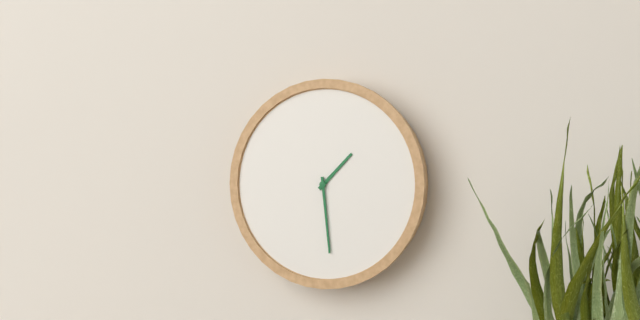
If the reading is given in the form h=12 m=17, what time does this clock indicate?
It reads h=1 m=29
